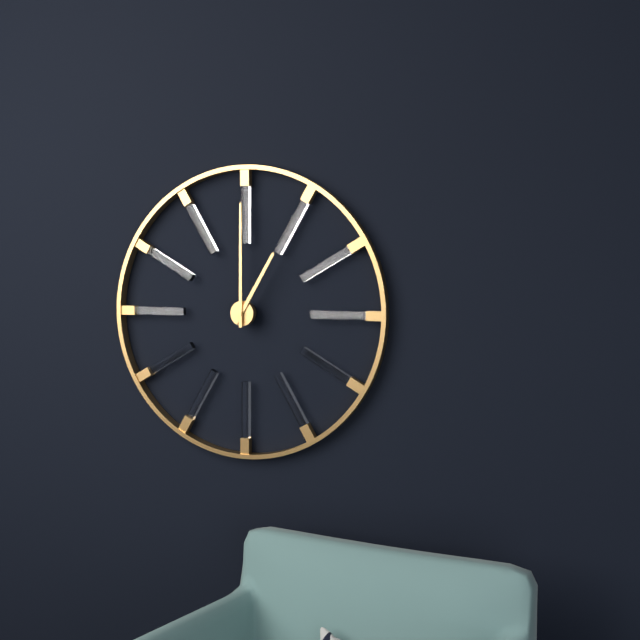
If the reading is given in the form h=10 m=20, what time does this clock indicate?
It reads h=1 m=0
